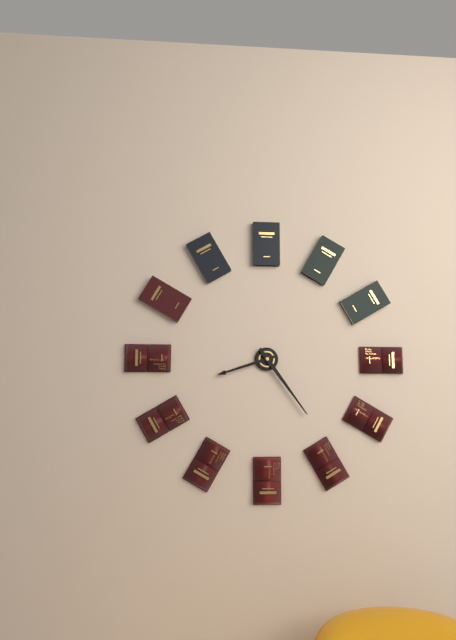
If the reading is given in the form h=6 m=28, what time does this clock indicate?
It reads h=8 m=24
